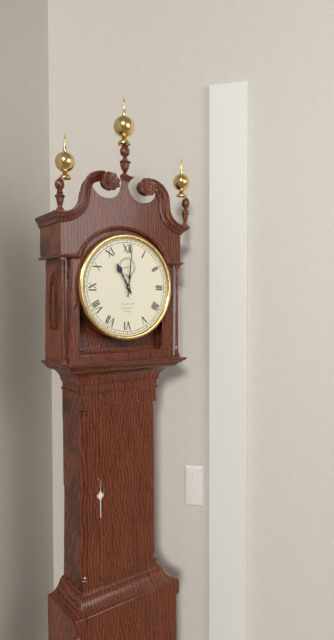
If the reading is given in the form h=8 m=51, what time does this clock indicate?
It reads h=11 m=1
